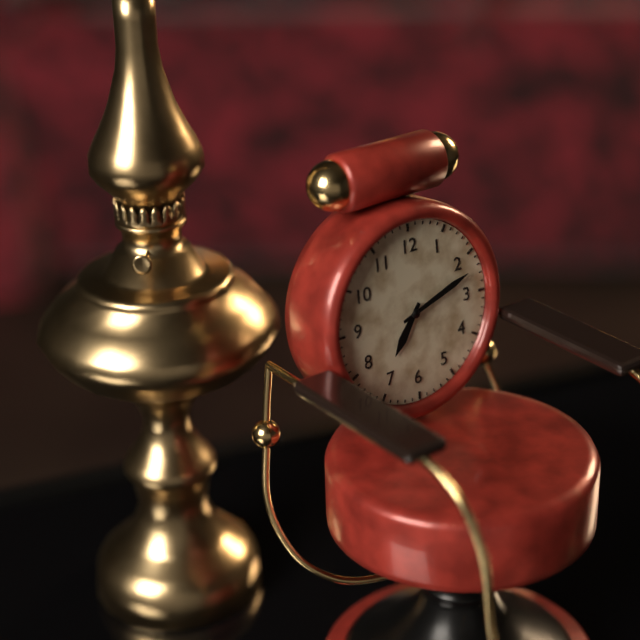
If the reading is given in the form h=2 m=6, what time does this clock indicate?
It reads h=7 m=12
